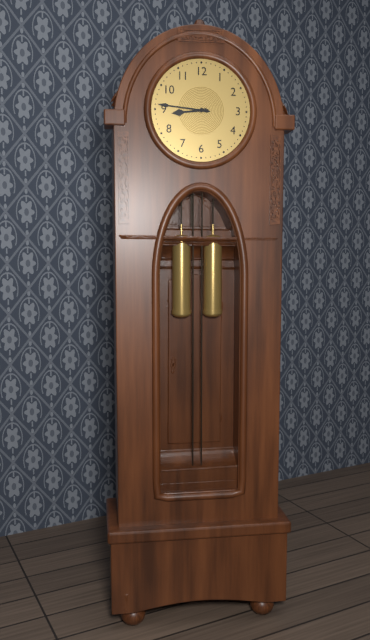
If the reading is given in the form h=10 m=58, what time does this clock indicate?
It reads h=8 m=46
